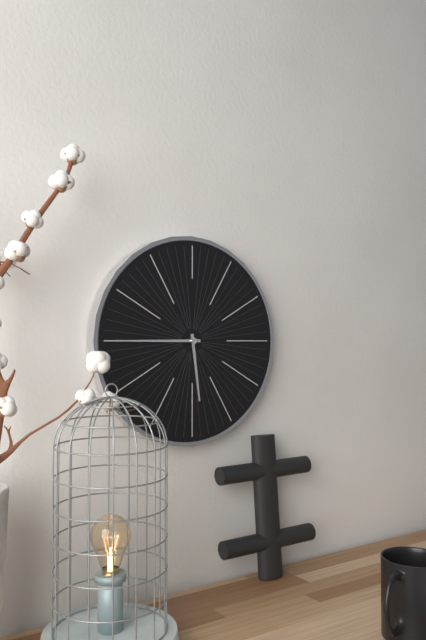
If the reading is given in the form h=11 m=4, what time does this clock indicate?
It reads h=5 m=45
